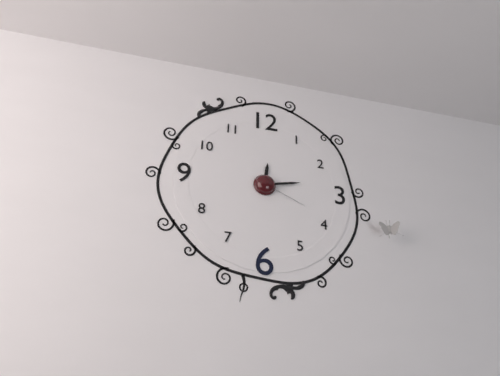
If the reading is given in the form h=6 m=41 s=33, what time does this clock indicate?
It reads h=12 m=13 s=19
